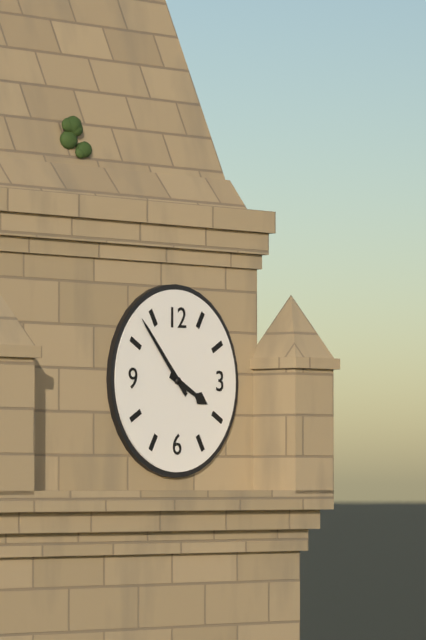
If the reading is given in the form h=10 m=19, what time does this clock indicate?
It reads h=3 m=53
